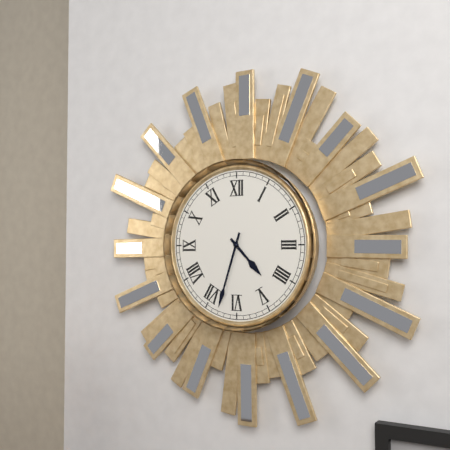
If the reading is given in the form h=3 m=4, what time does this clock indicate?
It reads h=4 m=33
